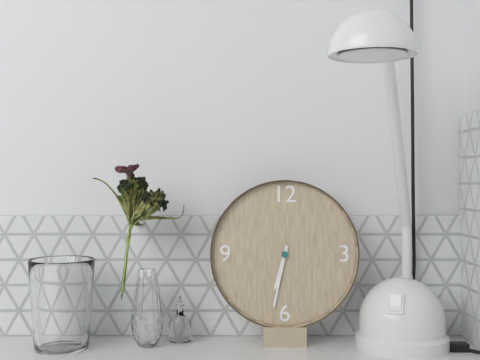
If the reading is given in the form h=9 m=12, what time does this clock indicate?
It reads h=6 m=32
